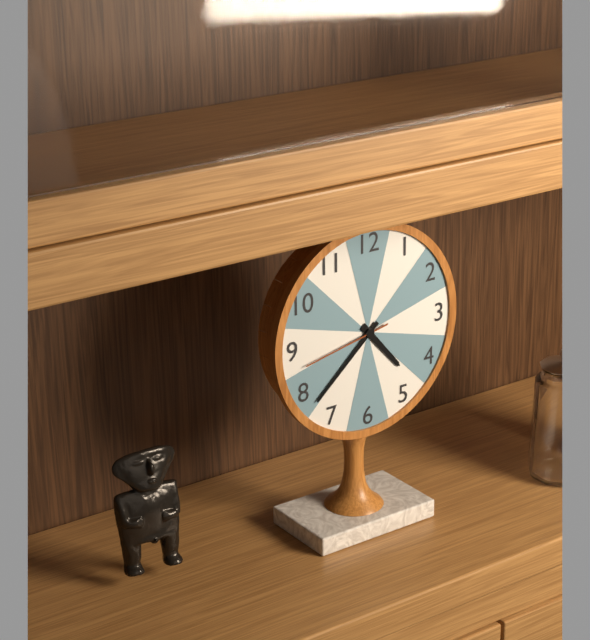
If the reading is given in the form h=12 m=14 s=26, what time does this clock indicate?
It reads h=4 m=38 s=43
